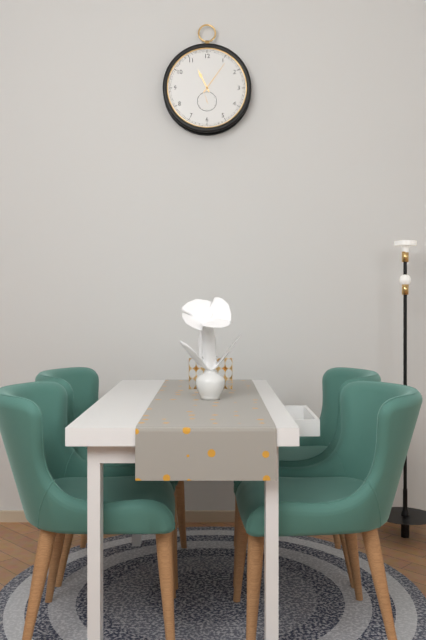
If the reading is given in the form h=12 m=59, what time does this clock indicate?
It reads h=11 m=6
